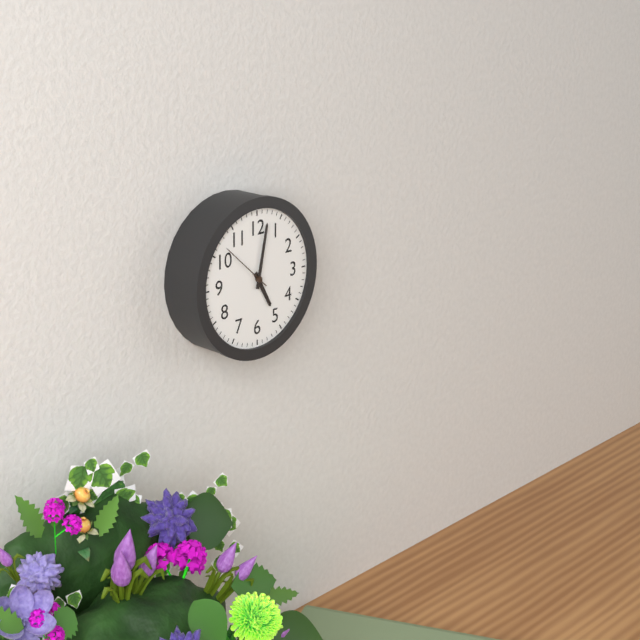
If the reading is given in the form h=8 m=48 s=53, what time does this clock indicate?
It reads h=5 m=2 s=52
